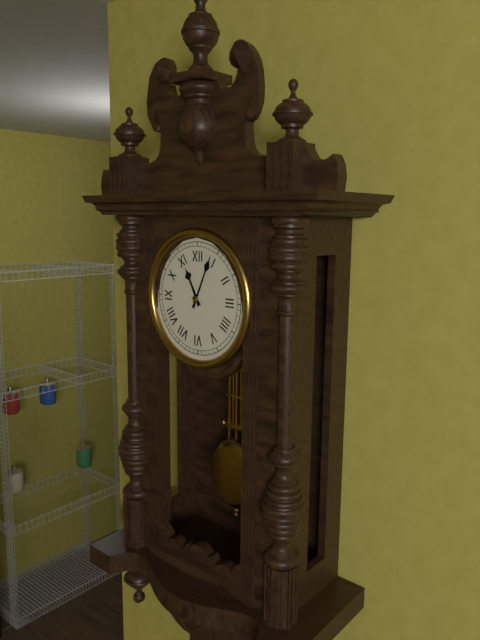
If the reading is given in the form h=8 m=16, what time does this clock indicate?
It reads h=11 m=4
